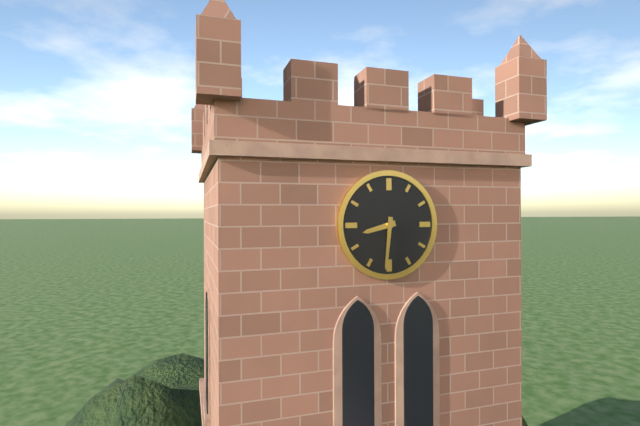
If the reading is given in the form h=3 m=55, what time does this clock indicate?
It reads h=8 m=31
